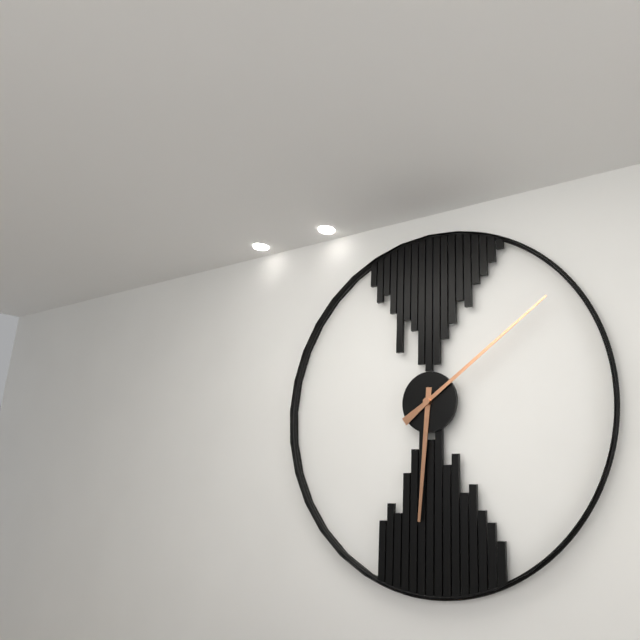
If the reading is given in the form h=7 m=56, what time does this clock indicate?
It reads h=6 m=9
